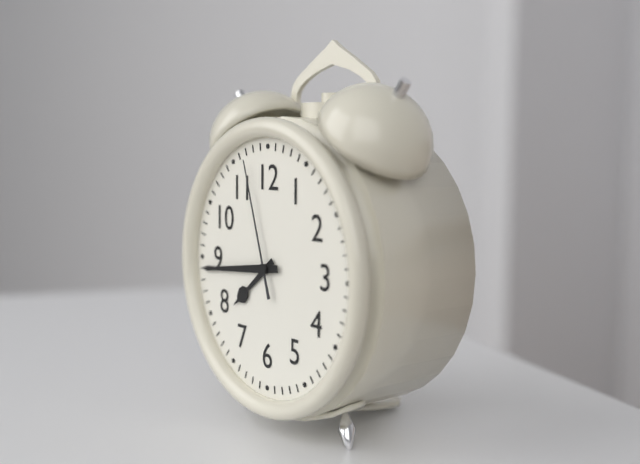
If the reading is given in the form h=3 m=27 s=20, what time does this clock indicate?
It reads h=7 m=44 s=57
